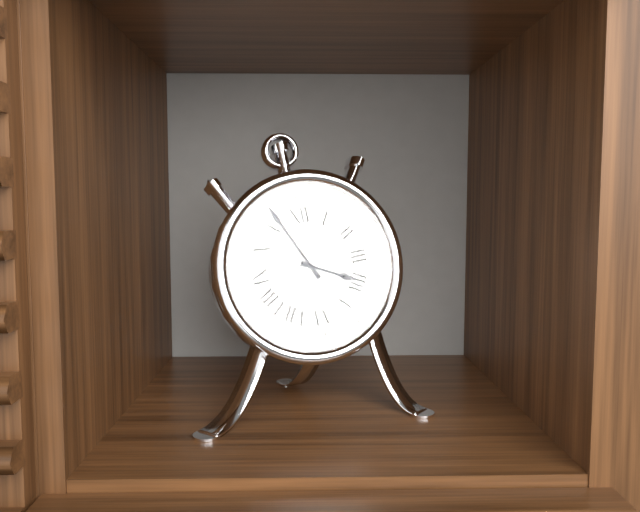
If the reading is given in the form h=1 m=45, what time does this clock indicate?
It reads h=3 m=56
